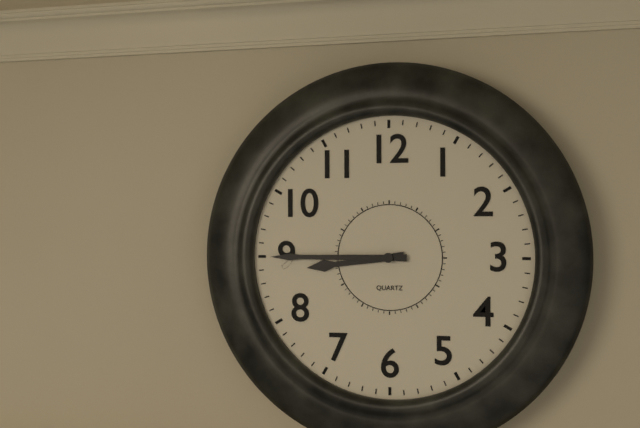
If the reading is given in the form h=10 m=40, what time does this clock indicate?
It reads h=8 m=45
